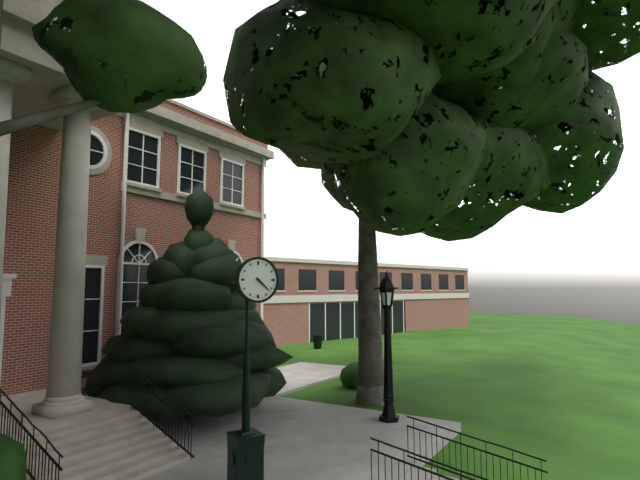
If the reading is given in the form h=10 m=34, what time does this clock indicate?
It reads h=4 m=22
